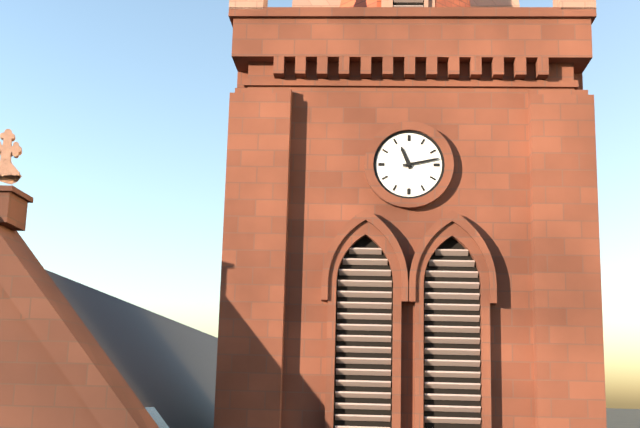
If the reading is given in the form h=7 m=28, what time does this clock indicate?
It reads h=11 m=13
